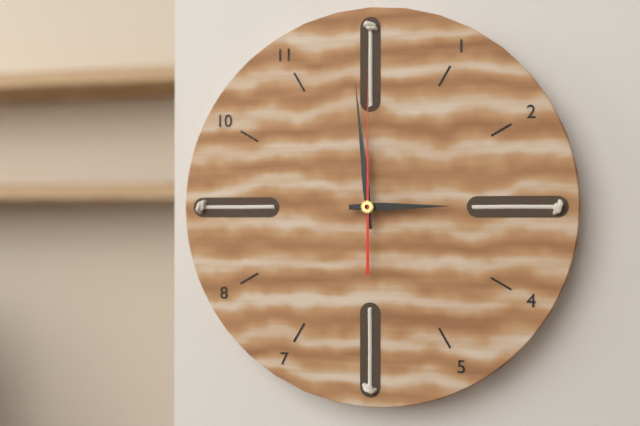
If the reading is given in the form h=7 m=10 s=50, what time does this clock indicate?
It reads h=2 m=59 s=0
